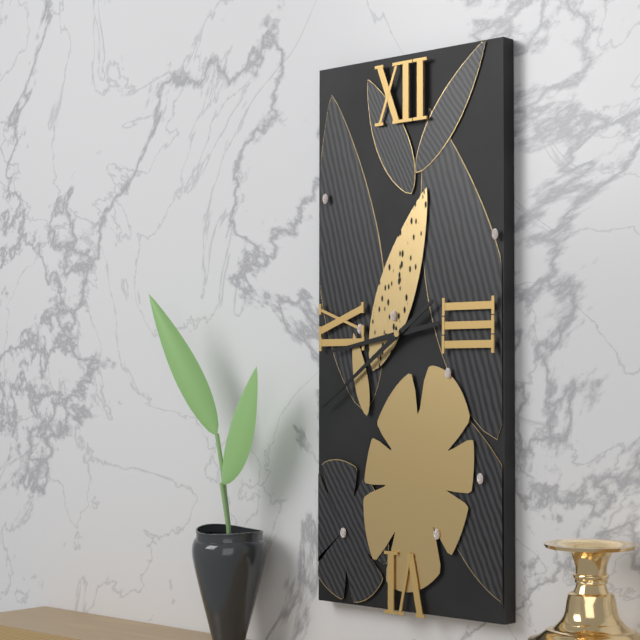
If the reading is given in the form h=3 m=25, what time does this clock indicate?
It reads h=8 m=39
